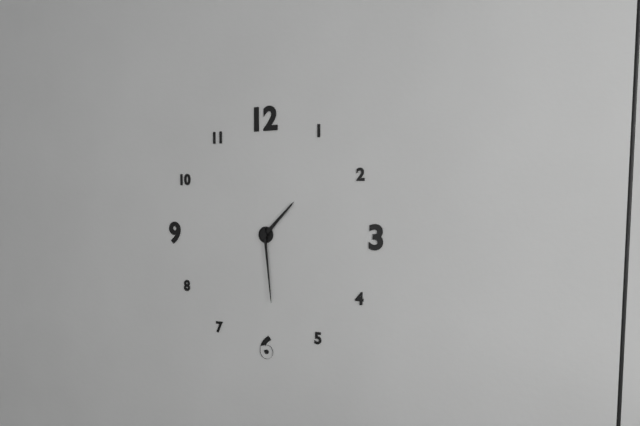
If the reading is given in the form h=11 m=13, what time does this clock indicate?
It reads h=1 m=29
